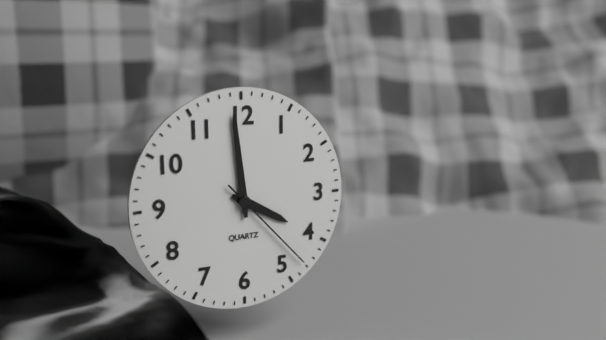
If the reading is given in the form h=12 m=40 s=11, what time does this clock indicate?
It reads h=3 m=59 s=23
